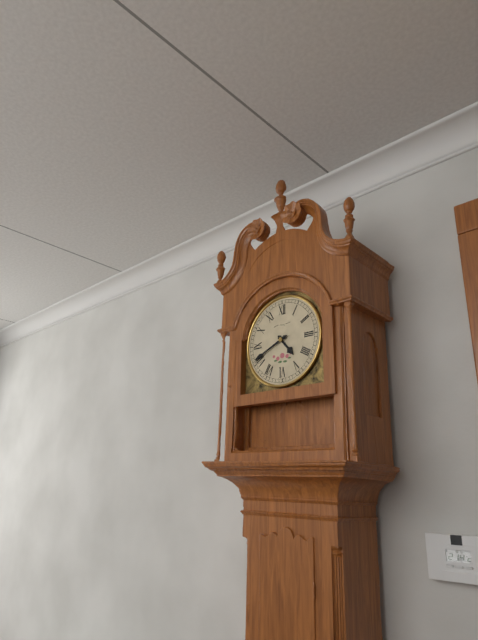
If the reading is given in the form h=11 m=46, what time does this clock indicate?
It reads h=4 m=41
